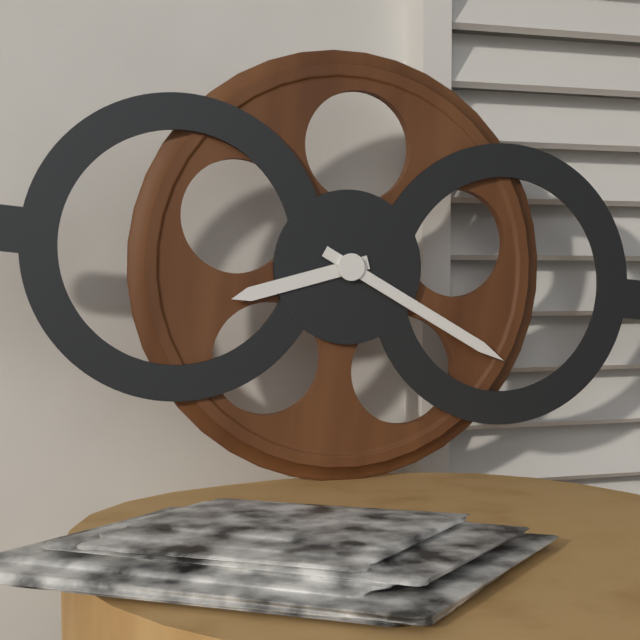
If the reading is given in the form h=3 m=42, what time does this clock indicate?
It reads h=8 m=19
